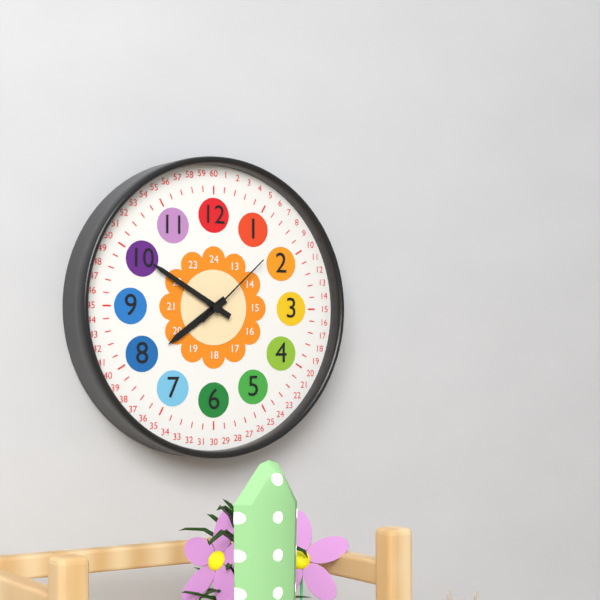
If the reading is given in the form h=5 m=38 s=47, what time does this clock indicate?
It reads h=7 m=50 s=8
